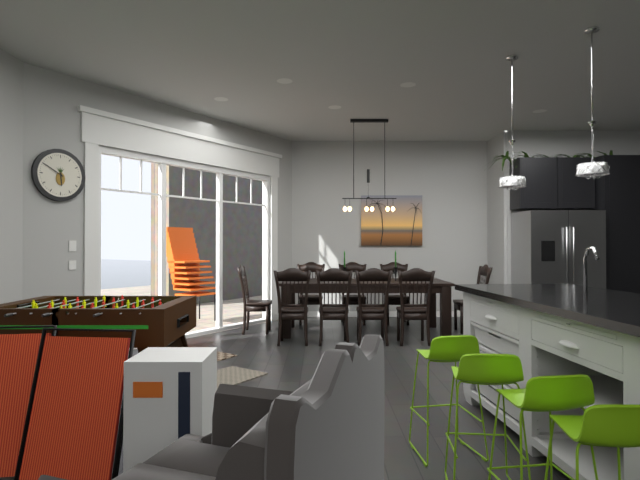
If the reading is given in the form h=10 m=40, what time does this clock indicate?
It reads h=5 m=50
